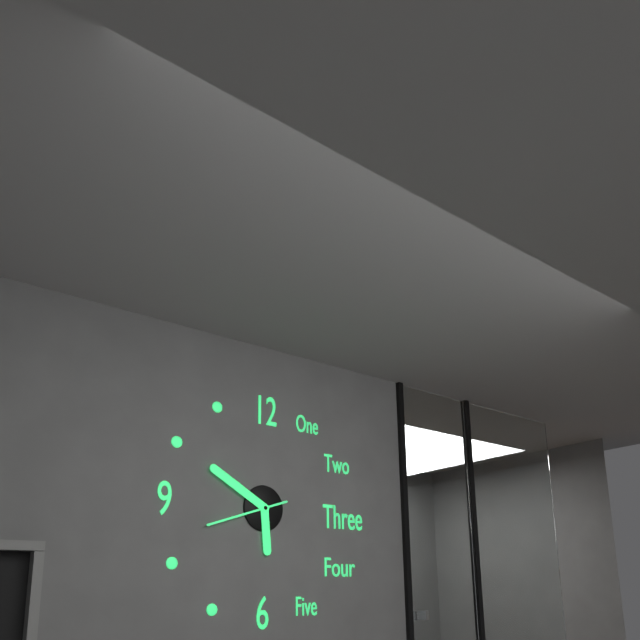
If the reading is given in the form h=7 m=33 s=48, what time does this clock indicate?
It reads h=5 m=50 s=42
